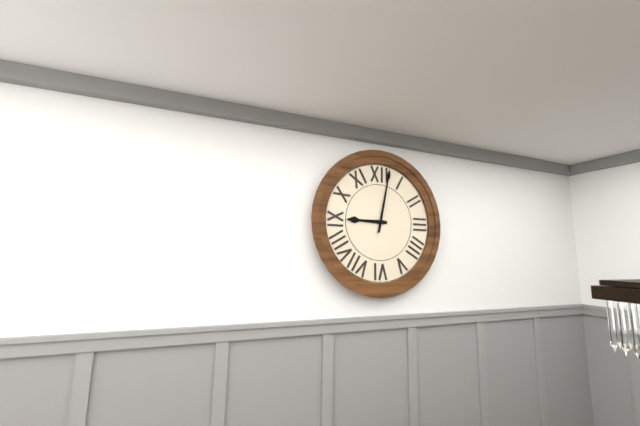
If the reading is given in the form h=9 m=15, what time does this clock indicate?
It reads h=9 m=2
